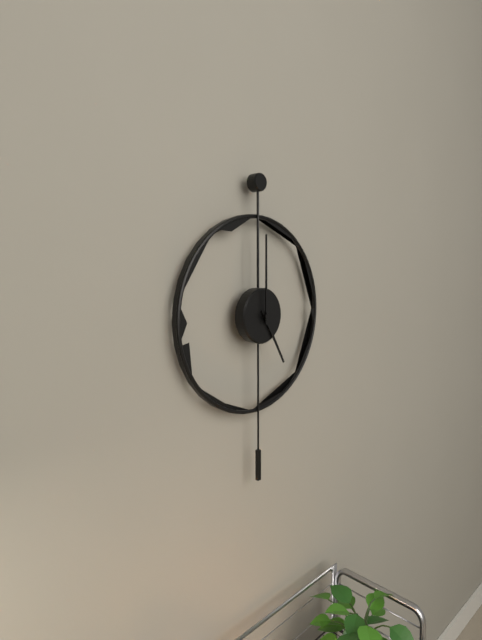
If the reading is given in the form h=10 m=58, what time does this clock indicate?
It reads h=5 m=0
